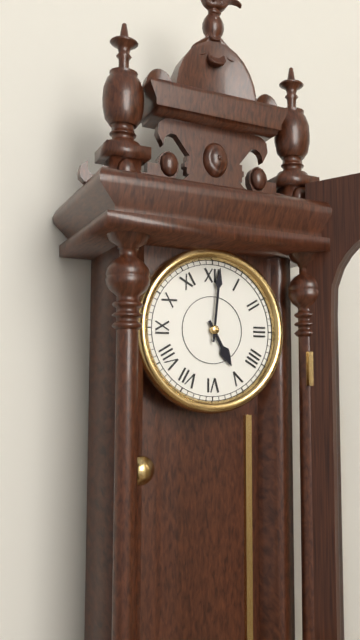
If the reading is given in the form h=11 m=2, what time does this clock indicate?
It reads h=5 m=1
